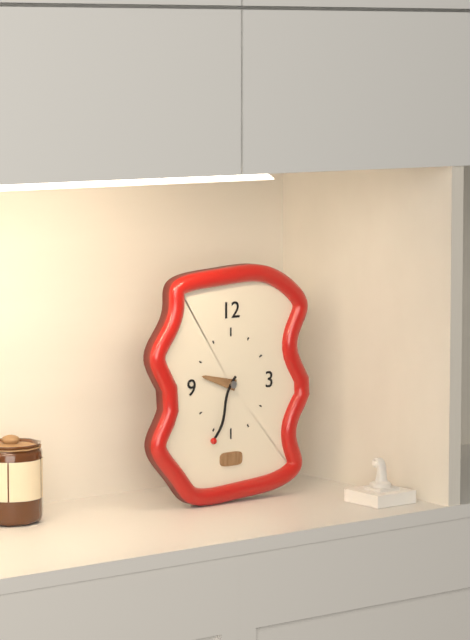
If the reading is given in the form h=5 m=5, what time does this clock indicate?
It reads h=9 m=34
